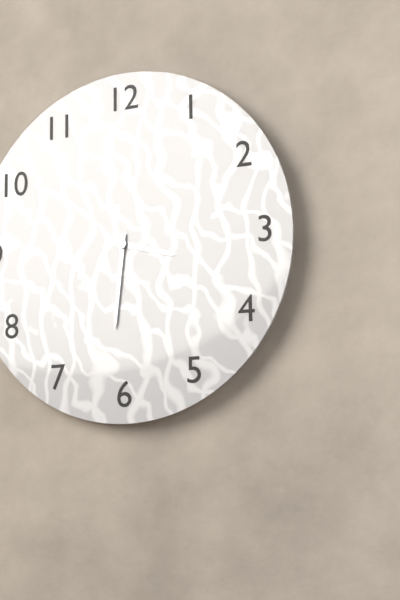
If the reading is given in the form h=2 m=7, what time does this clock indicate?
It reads h=3 m=31
